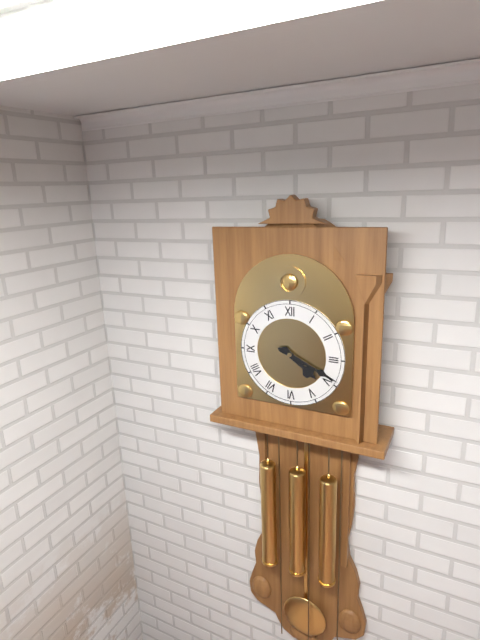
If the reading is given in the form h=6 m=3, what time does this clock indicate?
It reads h=4 m=19
